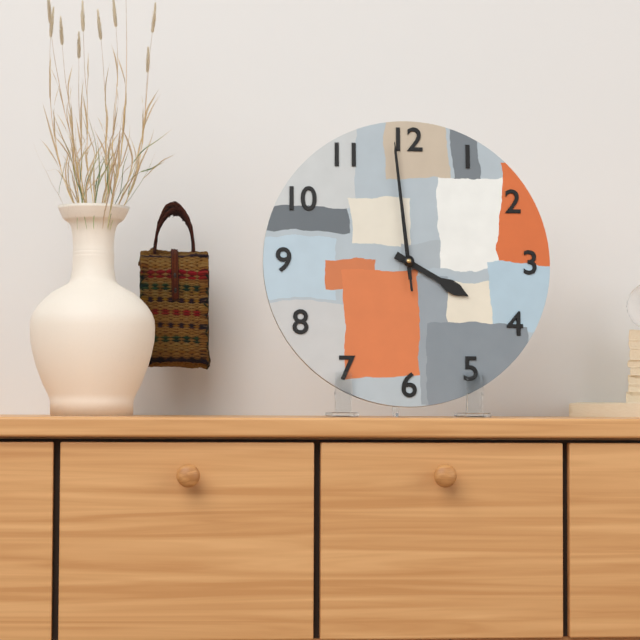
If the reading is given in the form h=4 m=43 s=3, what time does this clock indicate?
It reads h=3 m=59 s=59
